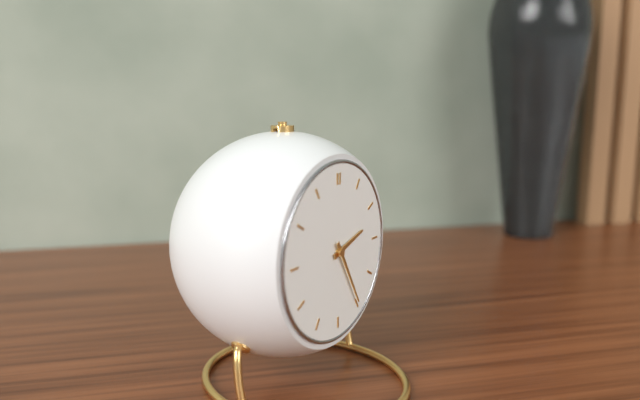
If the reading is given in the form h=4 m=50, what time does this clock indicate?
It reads h=2 m=25
